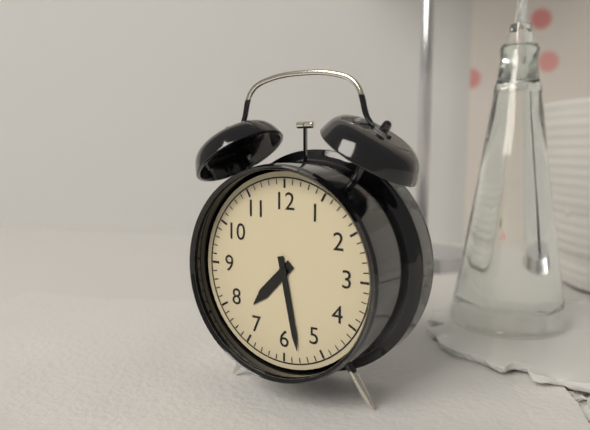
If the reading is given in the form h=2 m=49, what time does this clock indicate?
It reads h=7 m=28
